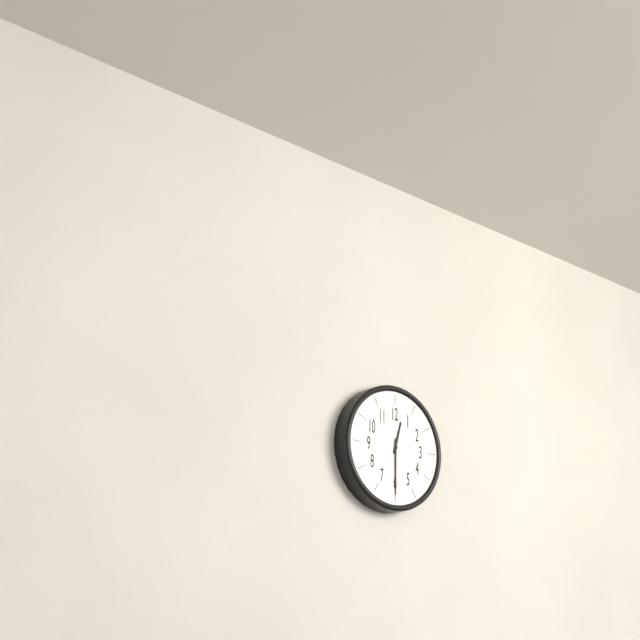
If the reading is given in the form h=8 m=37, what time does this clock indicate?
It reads h=12 m=30
